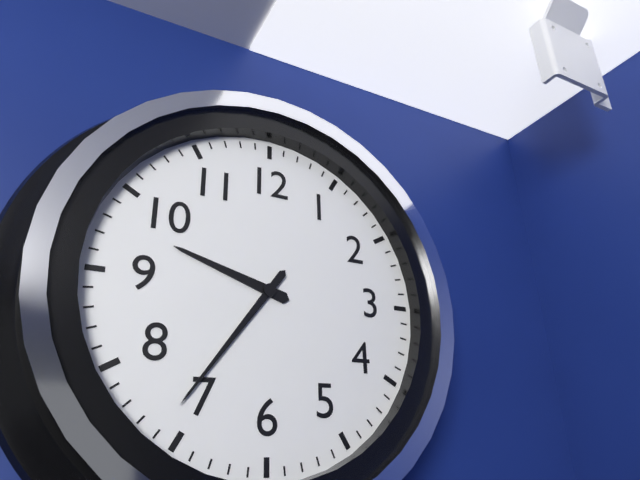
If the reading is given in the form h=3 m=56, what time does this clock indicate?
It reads h=9 m=36
